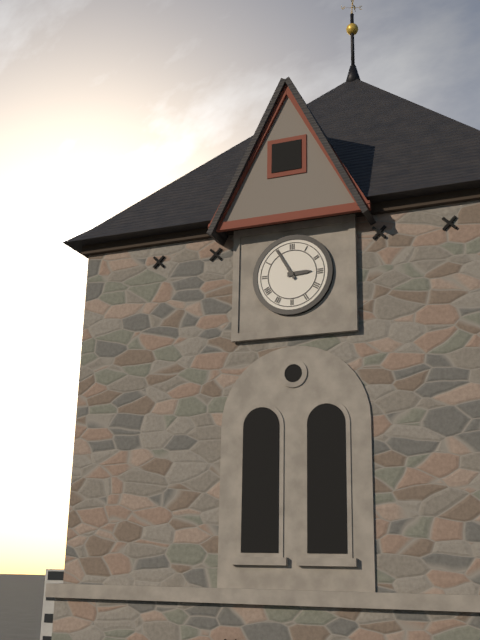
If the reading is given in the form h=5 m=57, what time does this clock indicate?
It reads h=2 m=55
